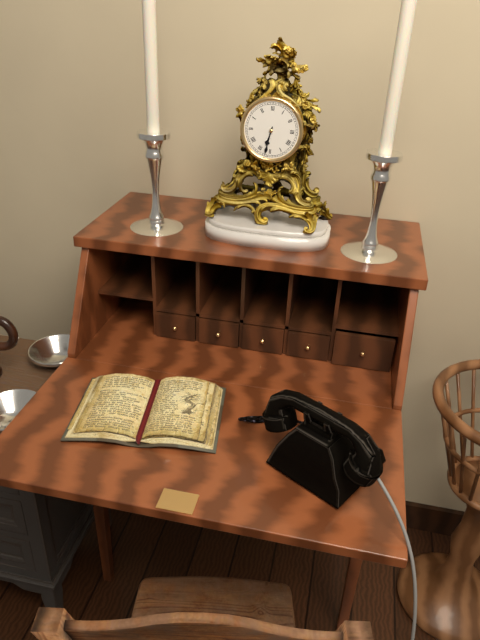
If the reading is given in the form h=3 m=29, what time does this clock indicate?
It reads h=6 m=32
